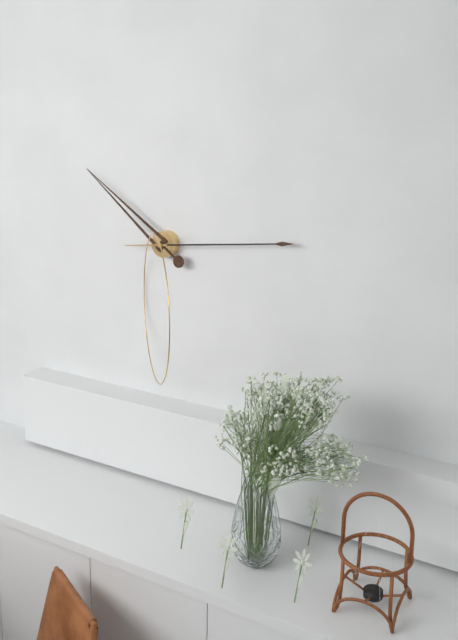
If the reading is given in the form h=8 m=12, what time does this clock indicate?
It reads h=10 m=14
